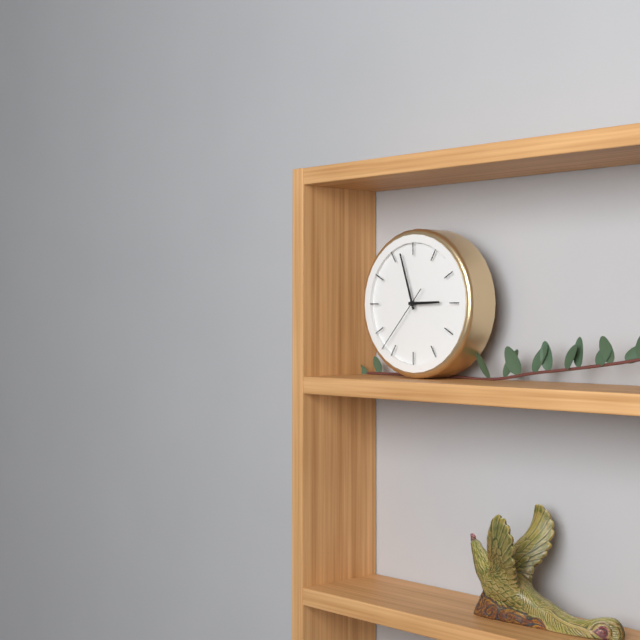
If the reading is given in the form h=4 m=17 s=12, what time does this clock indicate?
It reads h=2 m=57 s=37
